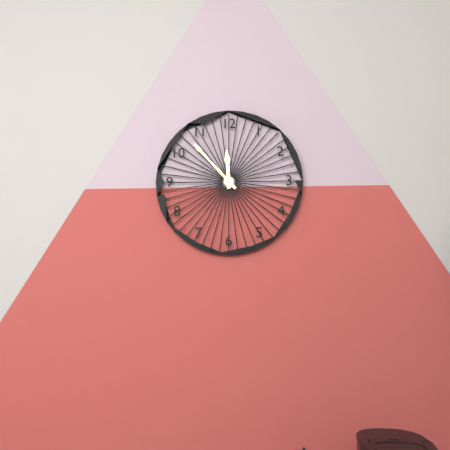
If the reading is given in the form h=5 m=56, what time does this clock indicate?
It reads h=11 m=53
